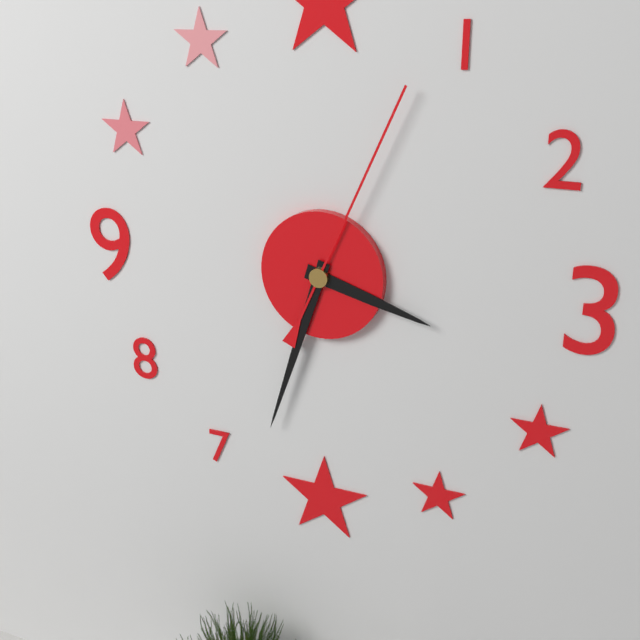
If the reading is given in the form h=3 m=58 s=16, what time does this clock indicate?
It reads h=3 m=33 s=4
